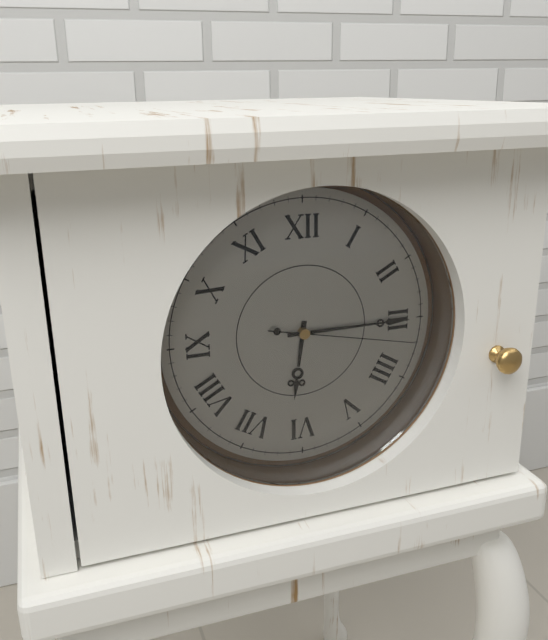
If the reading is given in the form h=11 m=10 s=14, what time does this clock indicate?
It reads h=6 m=15 s=17
